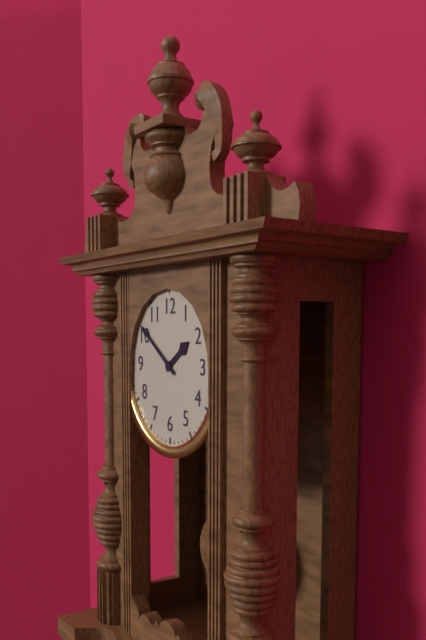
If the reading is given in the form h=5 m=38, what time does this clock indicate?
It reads h=1 m=51
